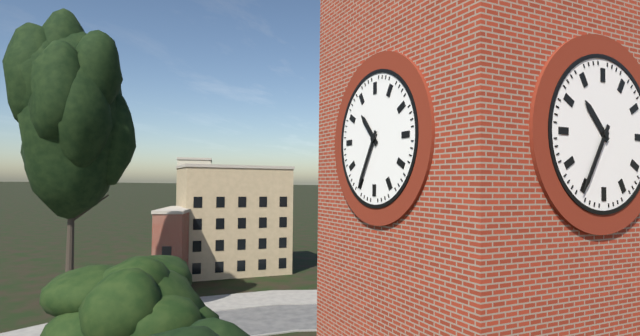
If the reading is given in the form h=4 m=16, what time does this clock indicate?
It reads h=10 m=35
